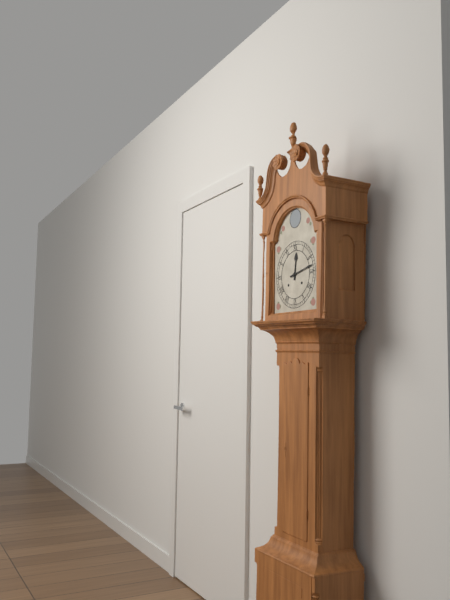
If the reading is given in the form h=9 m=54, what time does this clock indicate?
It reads h=12 m=13
